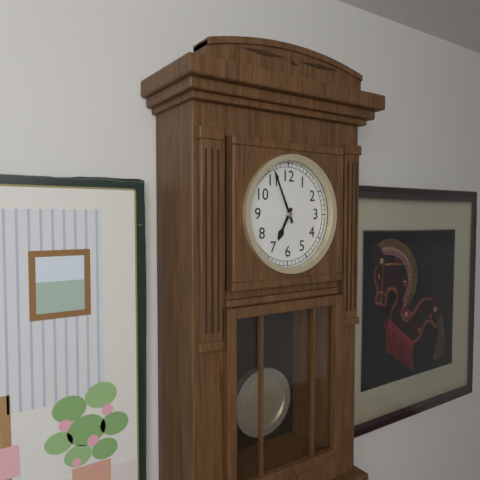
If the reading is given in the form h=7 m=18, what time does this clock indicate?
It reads h=6 m=56
